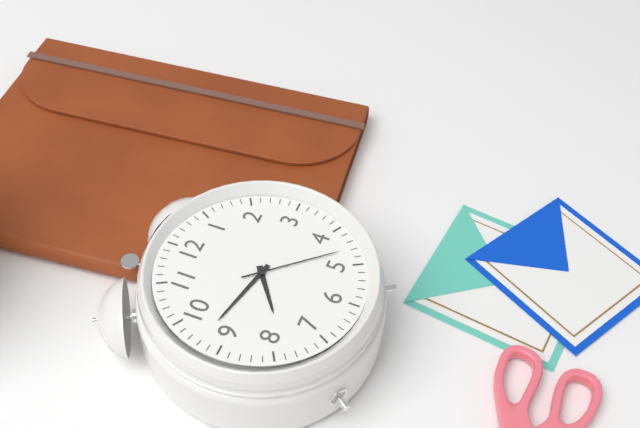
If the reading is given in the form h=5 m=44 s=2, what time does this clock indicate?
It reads h=7 m=47 s=23
